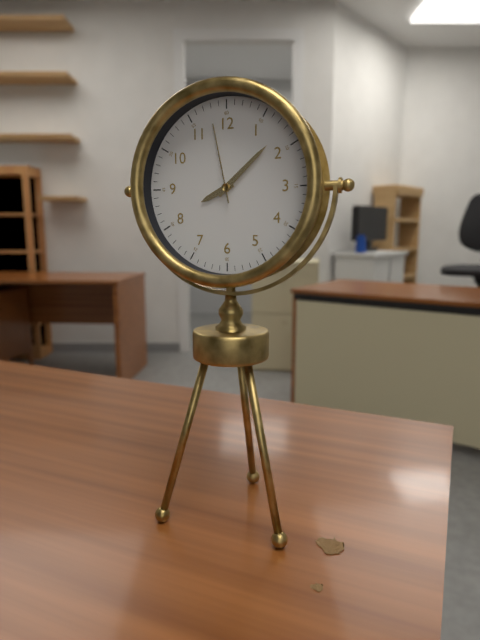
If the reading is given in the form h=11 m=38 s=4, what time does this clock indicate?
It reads h=8 m=8 s=58
